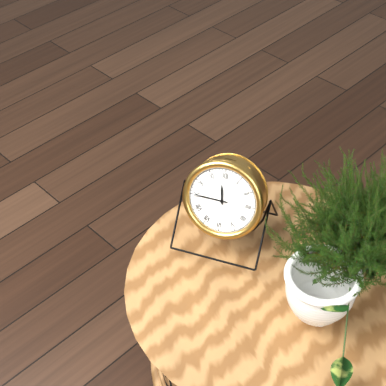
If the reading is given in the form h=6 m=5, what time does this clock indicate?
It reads h=11 m=45
